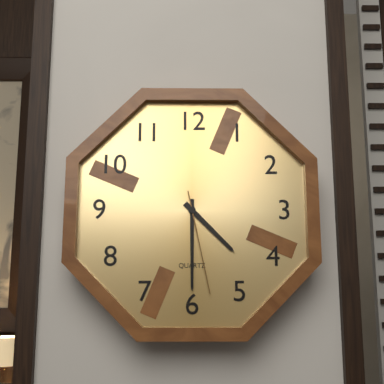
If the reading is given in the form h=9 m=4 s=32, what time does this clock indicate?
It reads h=4 m=30 s=28
